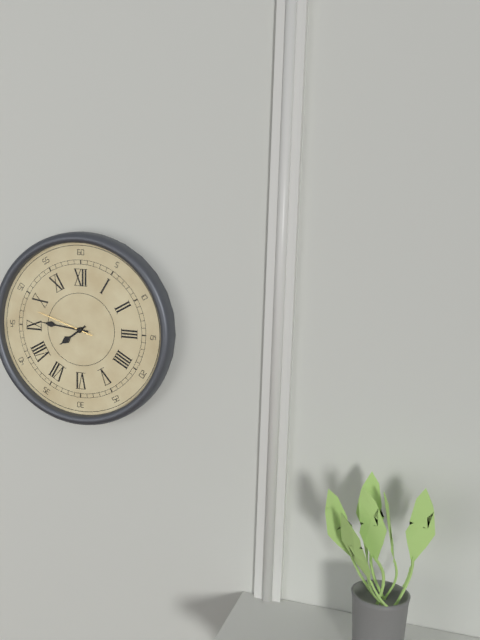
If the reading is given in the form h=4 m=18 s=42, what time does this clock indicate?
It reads h=7 m=46 s=48
